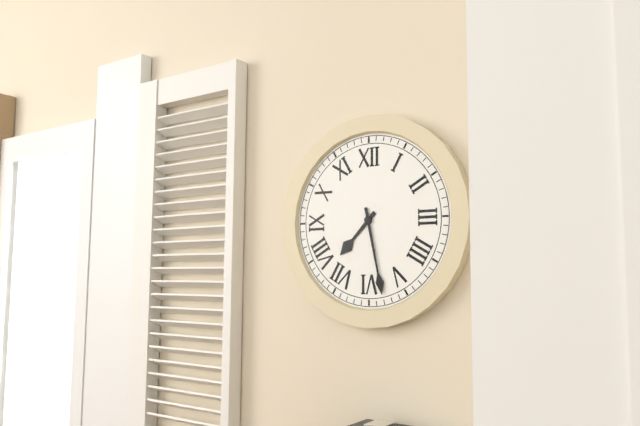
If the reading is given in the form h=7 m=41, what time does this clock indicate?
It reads h=7 m=28
